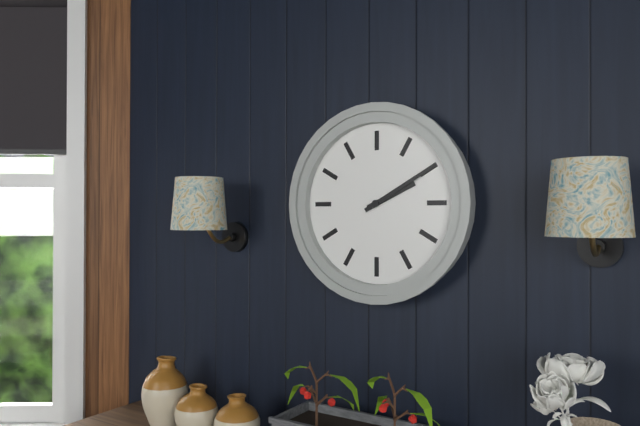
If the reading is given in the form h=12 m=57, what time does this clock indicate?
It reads h=2 m=10
